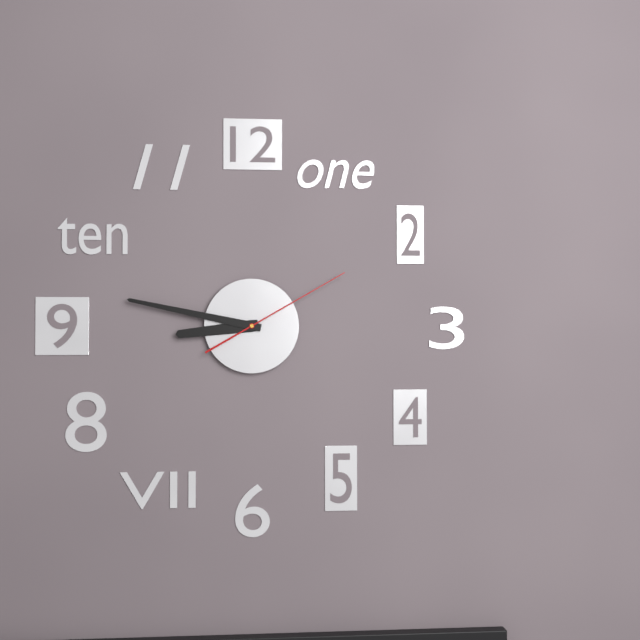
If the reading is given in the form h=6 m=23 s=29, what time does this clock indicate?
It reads h=8 m=47 s=10
